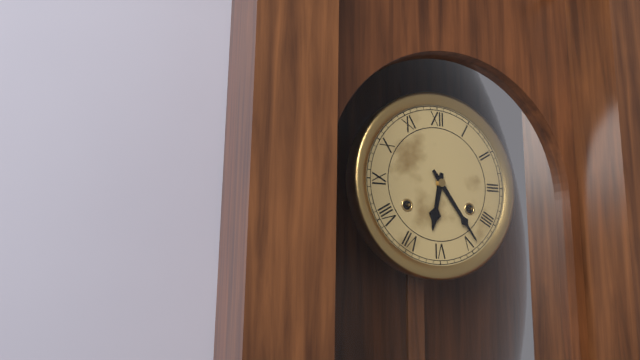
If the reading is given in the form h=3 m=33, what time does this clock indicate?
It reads h=6 m=24
